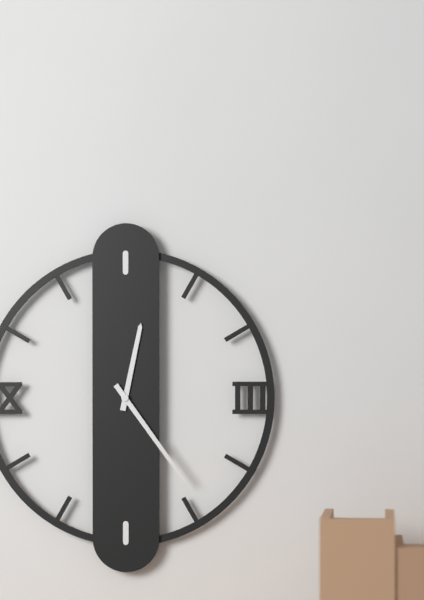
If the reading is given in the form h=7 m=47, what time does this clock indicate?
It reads h=12 m=24
